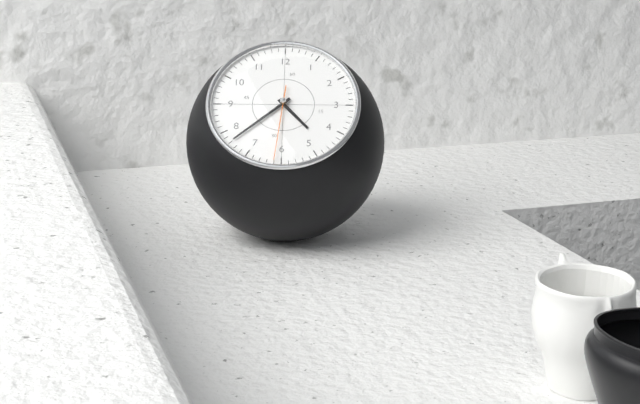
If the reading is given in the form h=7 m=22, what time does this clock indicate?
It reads h=4 m=38
